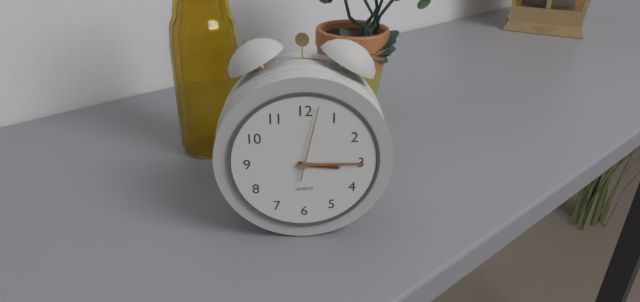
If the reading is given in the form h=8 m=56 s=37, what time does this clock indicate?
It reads h=3 m=15 s=2
